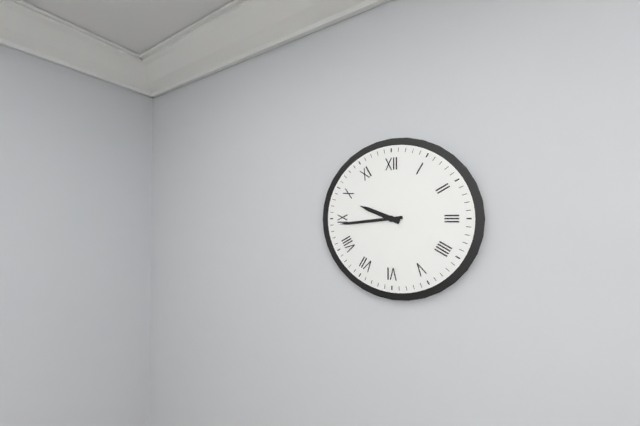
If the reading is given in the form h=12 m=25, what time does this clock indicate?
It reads h=9 m=44
